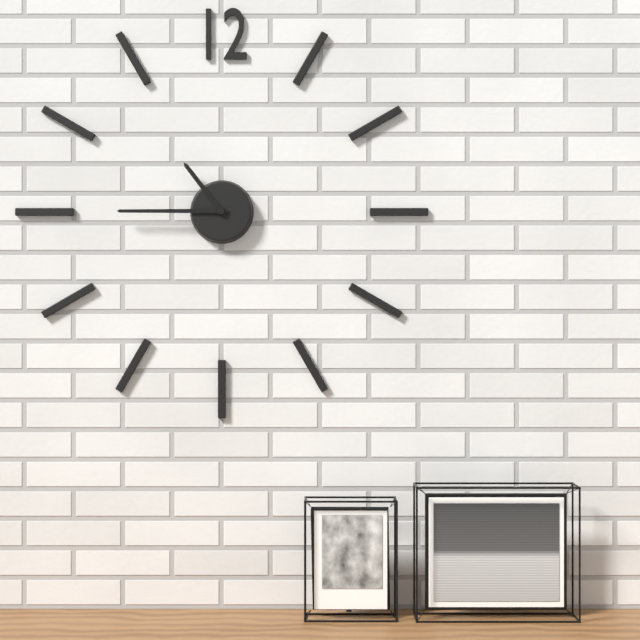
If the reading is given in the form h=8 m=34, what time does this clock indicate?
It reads h=10 m=45
